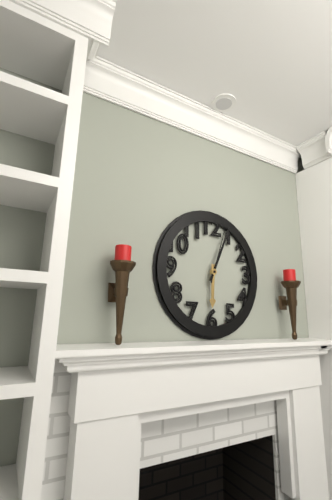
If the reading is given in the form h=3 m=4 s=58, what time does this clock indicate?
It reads h=6 m=4 s=3
